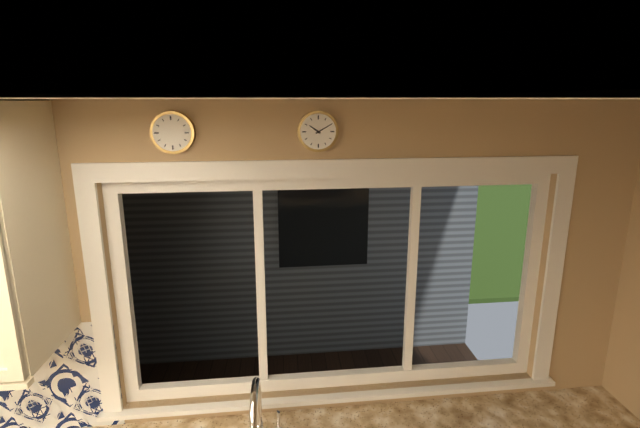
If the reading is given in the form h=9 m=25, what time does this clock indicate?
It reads h=10 m=10
